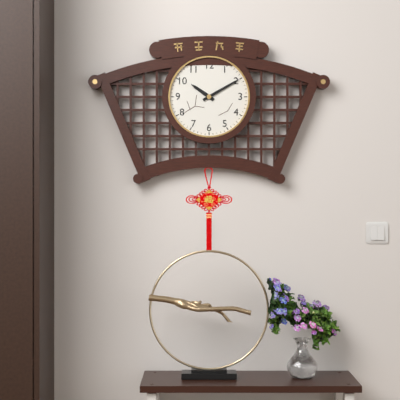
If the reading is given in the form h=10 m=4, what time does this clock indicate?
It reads h=10 m=10
